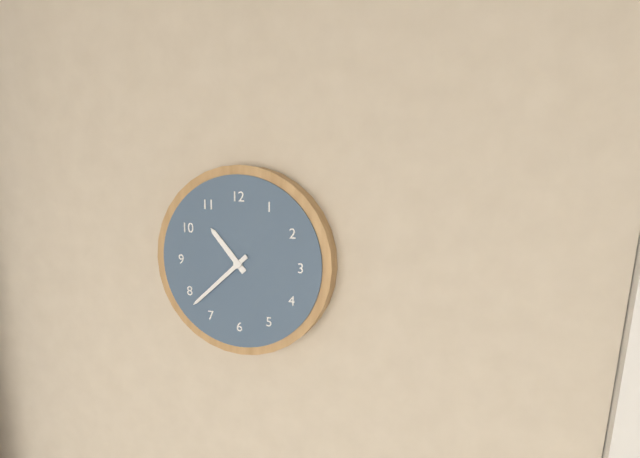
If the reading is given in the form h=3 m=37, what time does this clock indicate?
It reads h=10 m=38
